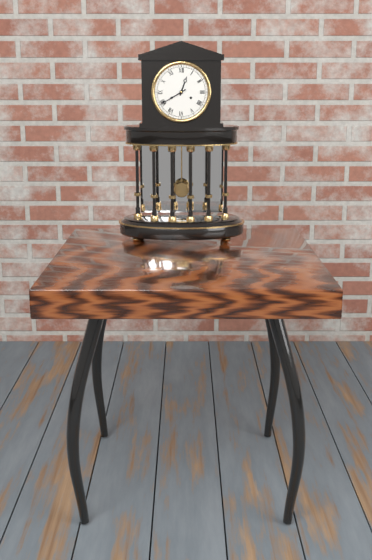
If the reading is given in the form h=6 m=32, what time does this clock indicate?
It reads h=12 m=40
